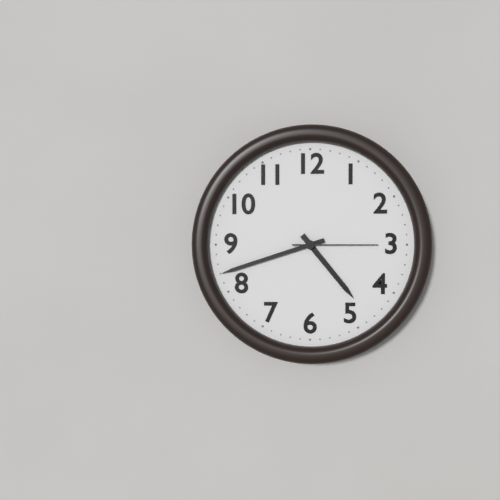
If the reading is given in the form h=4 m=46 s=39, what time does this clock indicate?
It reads h=4 m=42 s=15
